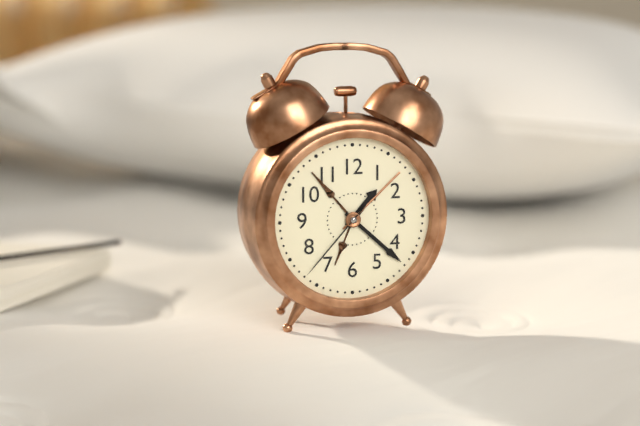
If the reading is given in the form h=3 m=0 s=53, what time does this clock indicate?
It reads h=1 m=22 s=37
